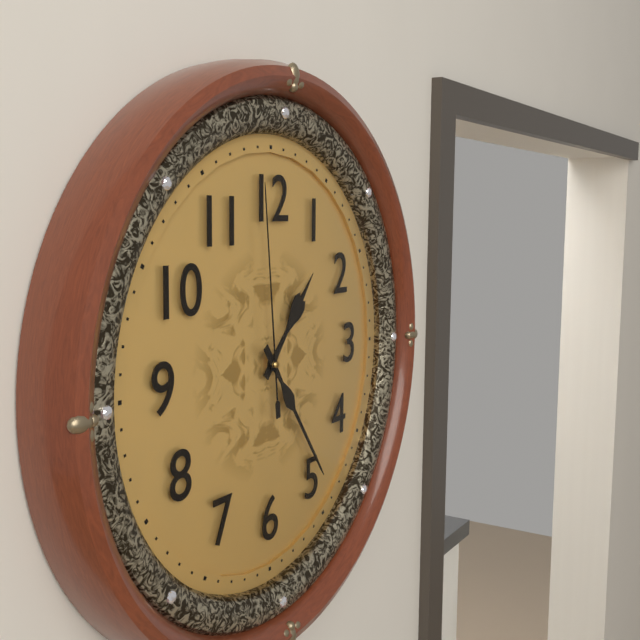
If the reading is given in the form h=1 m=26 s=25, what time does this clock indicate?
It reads h=1 m=24 s=59
